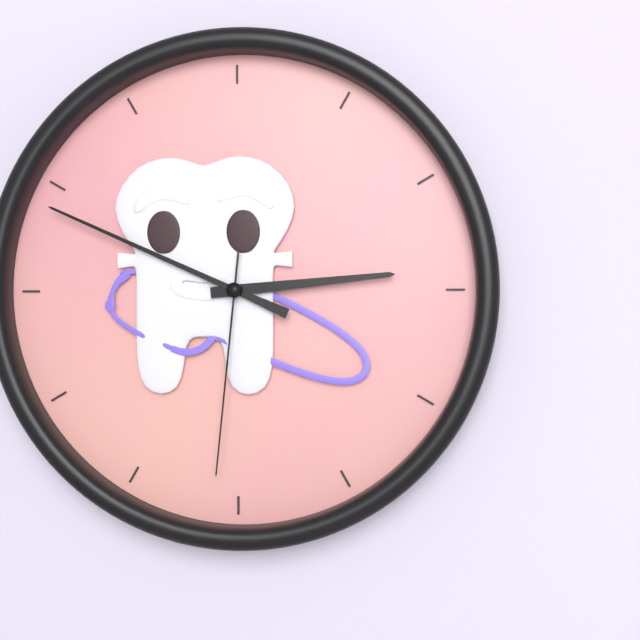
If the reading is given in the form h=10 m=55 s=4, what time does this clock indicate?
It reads h=2 m=49 s=31
